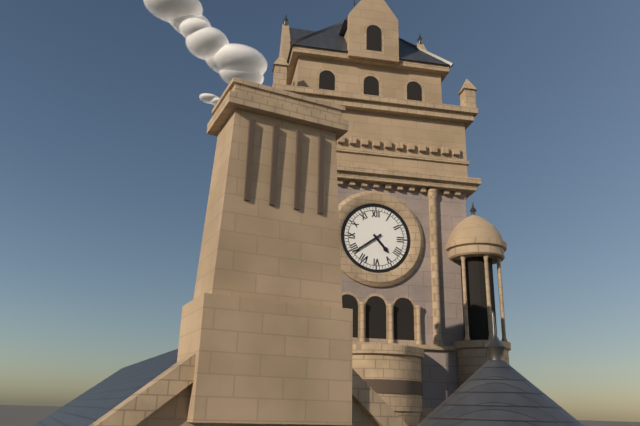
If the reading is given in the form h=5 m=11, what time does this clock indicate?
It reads h=4 m=39
